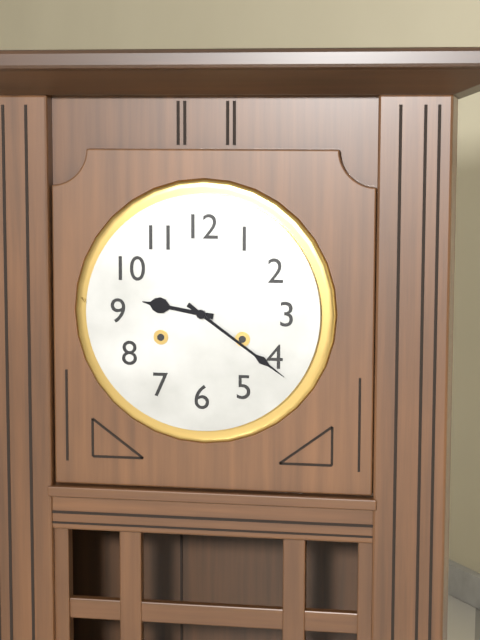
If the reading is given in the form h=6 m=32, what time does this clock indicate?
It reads h=9 m=21
